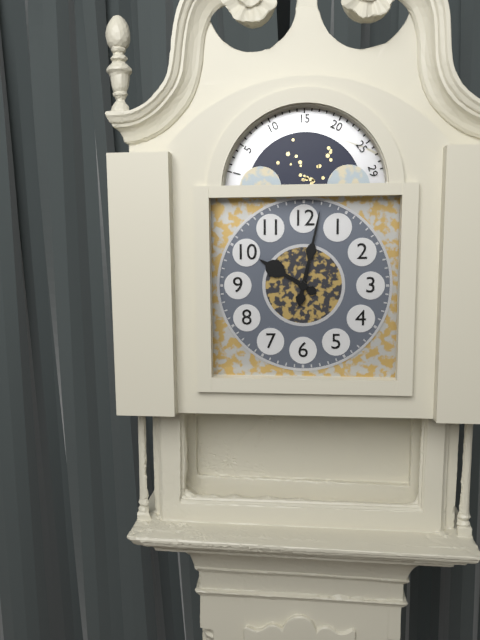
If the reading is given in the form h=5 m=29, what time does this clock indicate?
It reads h=10 m=2
